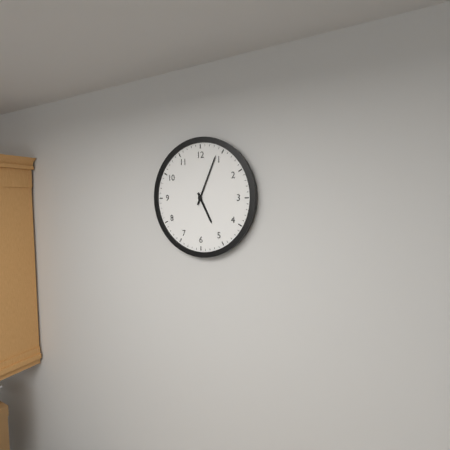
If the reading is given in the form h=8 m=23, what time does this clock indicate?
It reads h=5 m=4
